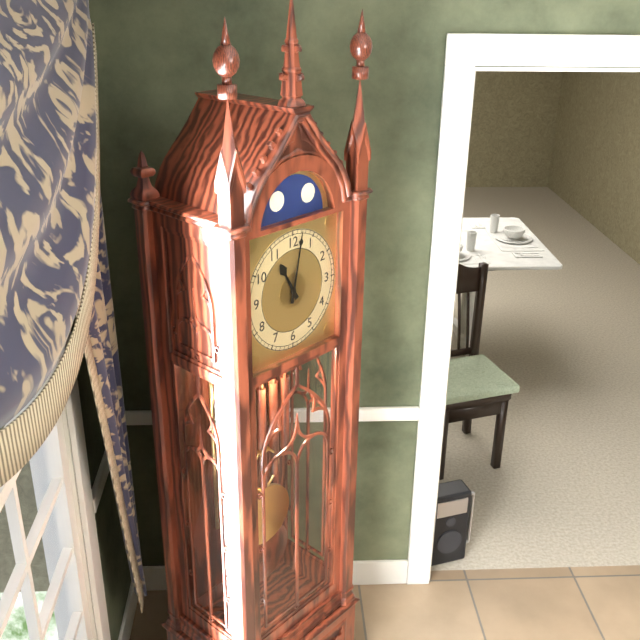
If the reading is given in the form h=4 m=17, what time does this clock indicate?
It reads h=11 m=2
